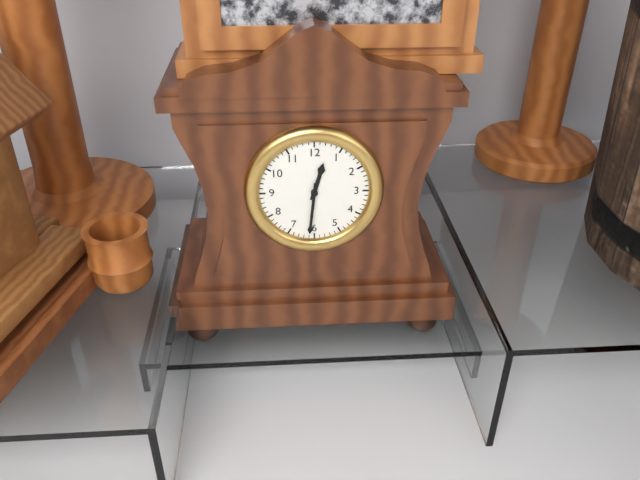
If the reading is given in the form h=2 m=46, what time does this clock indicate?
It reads h=12 m=31
